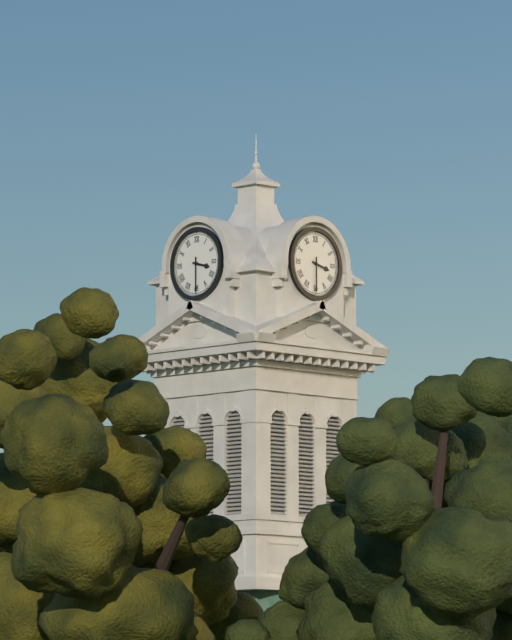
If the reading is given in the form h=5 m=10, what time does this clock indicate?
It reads h=3 m=30
